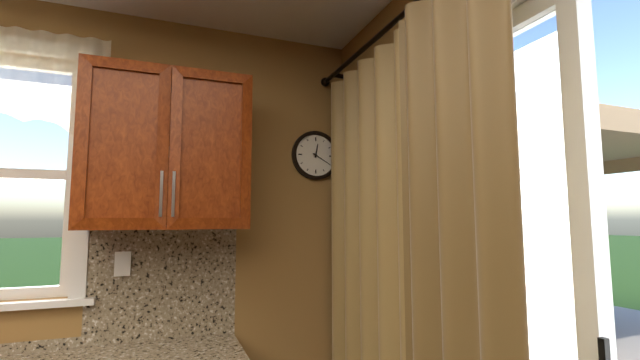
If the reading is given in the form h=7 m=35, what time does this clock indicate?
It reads h=12 m=20
